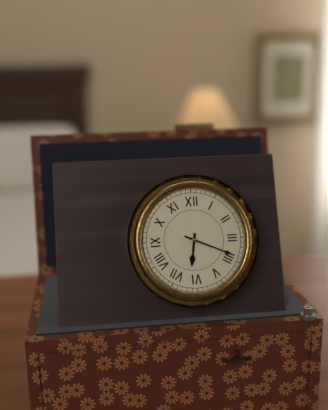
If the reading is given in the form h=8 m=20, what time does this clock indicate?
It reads h=6 m=19
